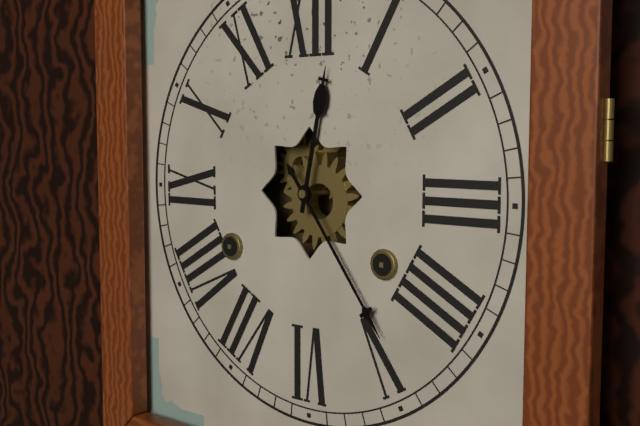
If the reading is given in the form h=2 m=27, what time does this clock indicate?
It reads h=12 m=24
